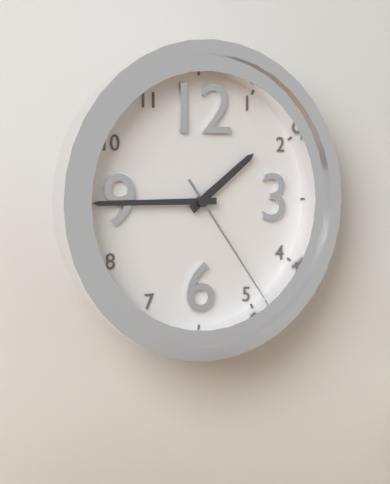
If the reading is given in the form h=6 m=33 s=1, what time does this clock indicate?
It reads h=1 m=45 s=24
